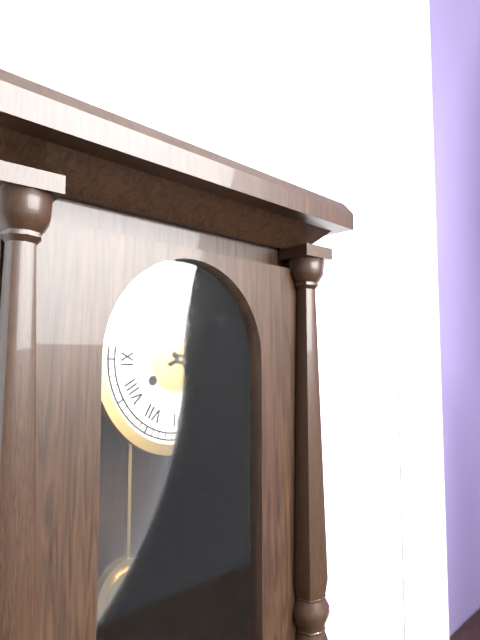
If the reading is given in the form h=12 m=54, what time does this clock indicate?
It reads h=4 m=11
